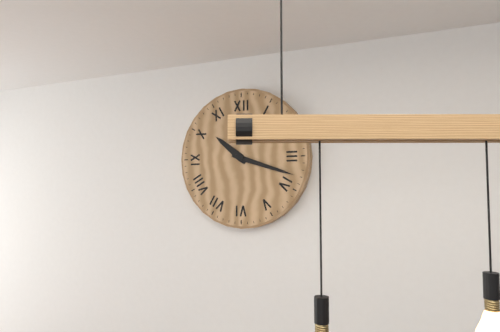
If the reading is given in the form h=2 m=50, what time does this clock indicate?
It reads h=10 m=18
